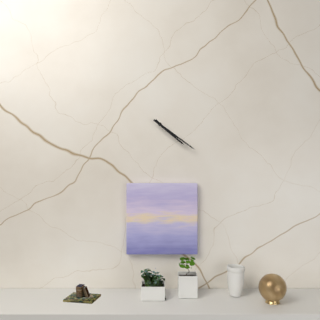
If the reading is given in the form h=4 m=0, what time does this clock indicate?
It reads h=4 m=21
